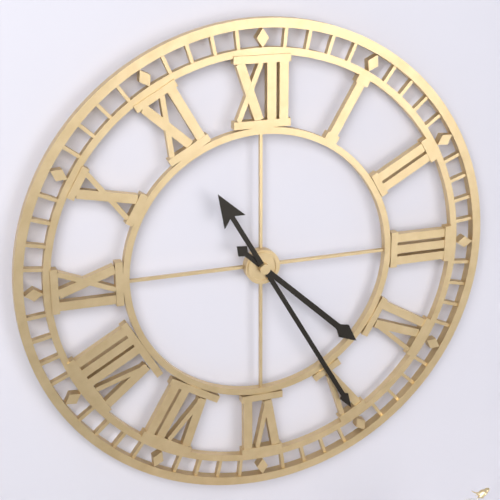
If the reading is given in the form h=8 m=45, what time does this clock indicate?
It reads h=4 m=25
